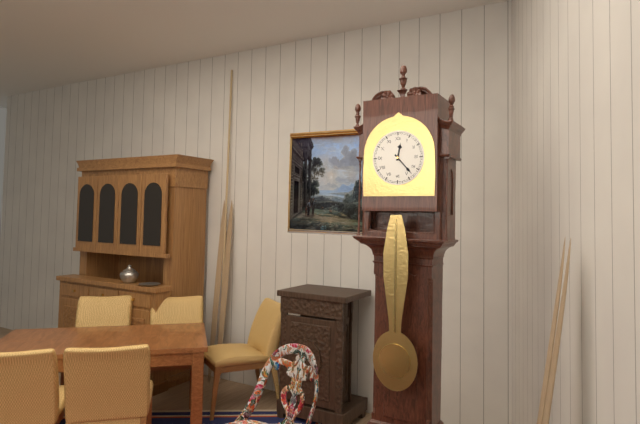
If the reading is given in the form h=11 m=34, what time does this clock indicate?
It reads h=12 m=23
